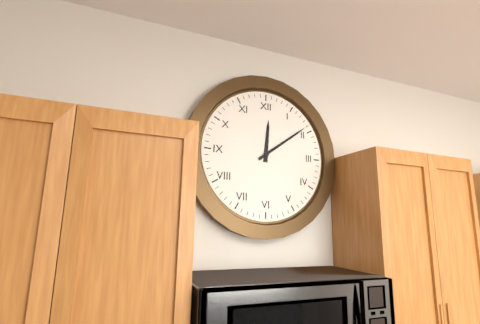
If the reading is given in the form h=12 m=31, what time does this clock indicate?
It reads h=12 m=9
